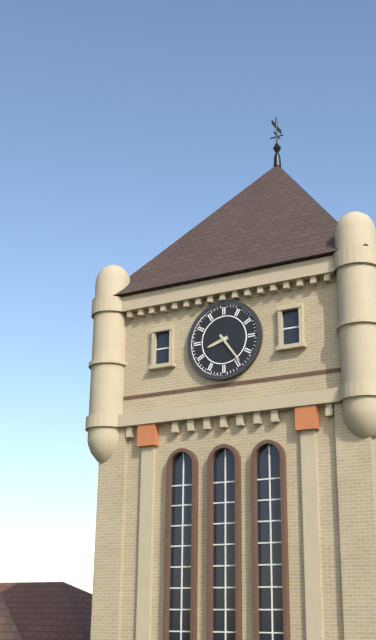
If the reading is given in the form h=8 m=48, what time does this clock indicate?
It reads h=8 m=24
